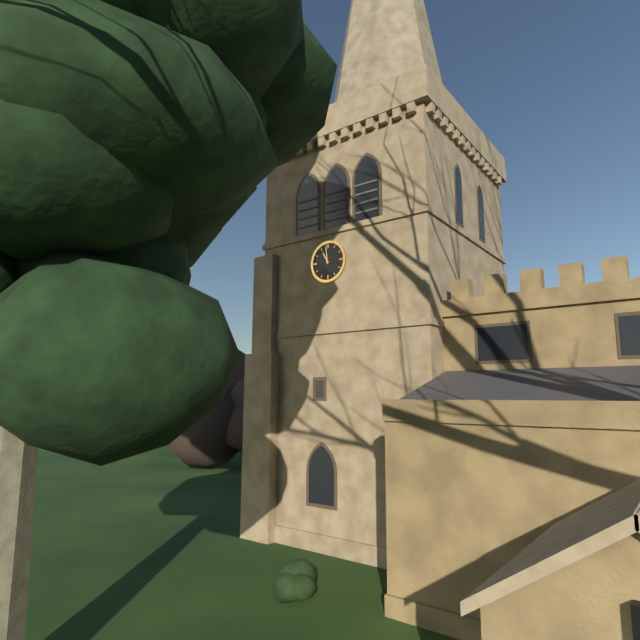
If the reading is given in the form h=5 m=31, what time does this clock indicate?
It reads h=10 m=59
